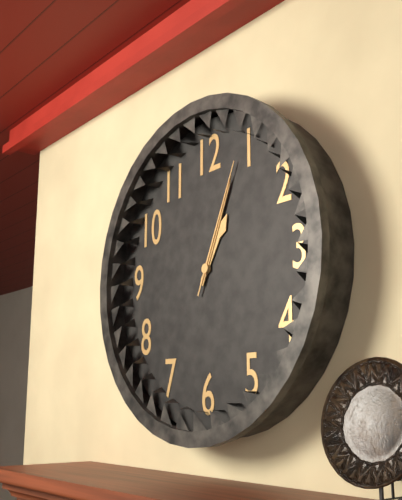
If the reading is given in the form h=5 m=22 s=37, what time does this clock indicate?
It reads h=1 m=4 s=4
